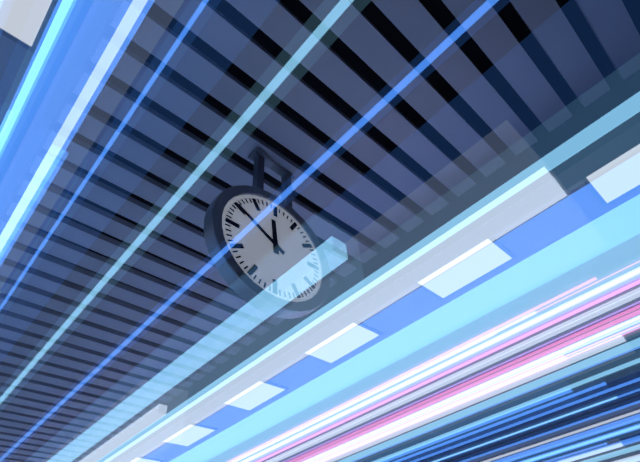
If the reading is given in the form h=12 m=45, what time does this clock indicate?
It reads h=11 m=50
